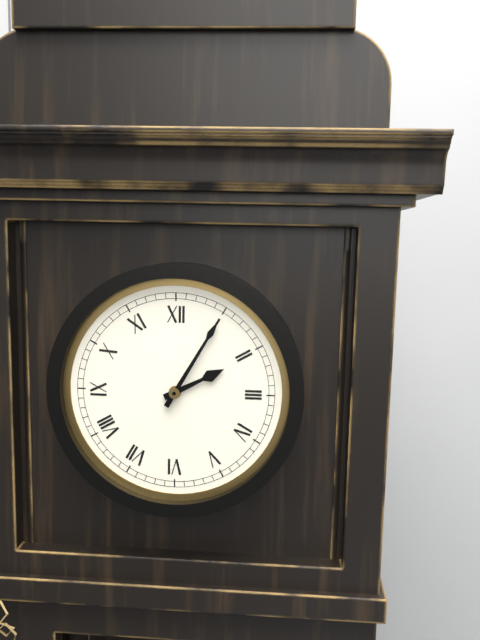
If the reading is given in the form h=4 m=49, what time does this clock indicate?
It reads h=2 m=5
